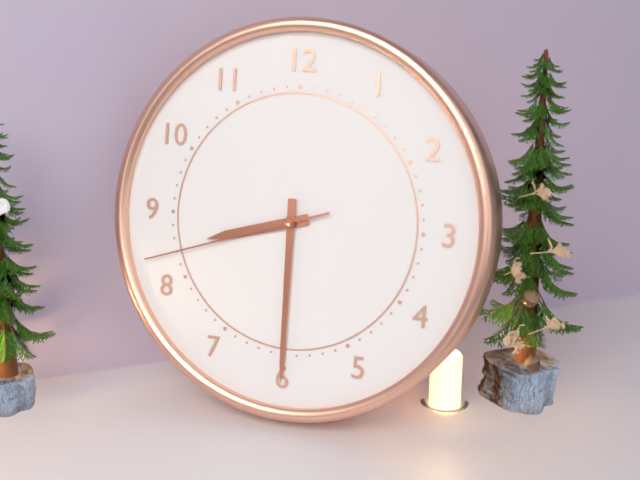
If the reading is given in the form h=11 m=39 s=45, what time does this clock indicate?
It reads h=8 m=30 s=42
